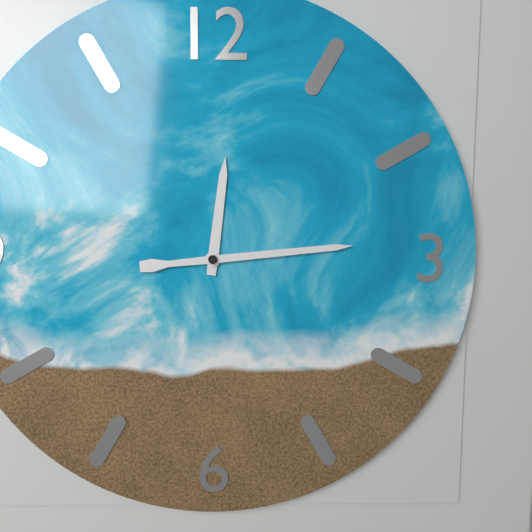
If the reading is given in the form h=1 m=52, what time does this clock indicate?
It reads h=12 m=14
